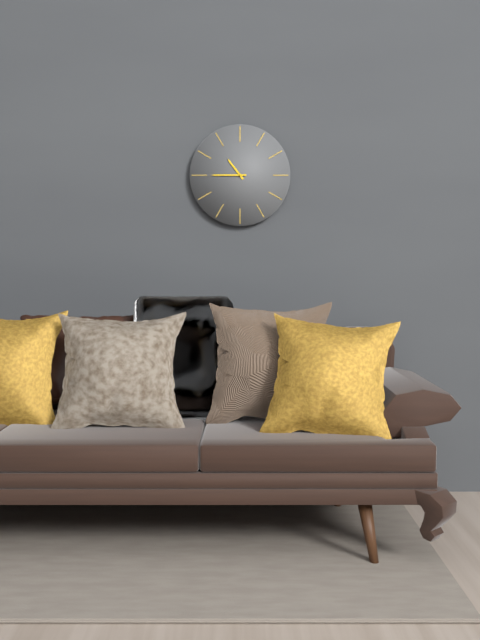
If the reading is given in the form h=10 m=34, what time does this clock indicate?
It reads h=10 m=45
